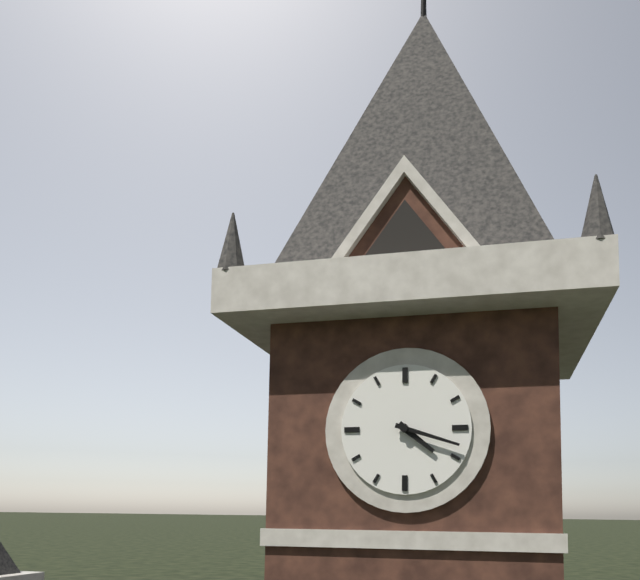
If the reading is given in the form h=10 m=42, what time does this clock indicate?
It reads h=4 m=18
